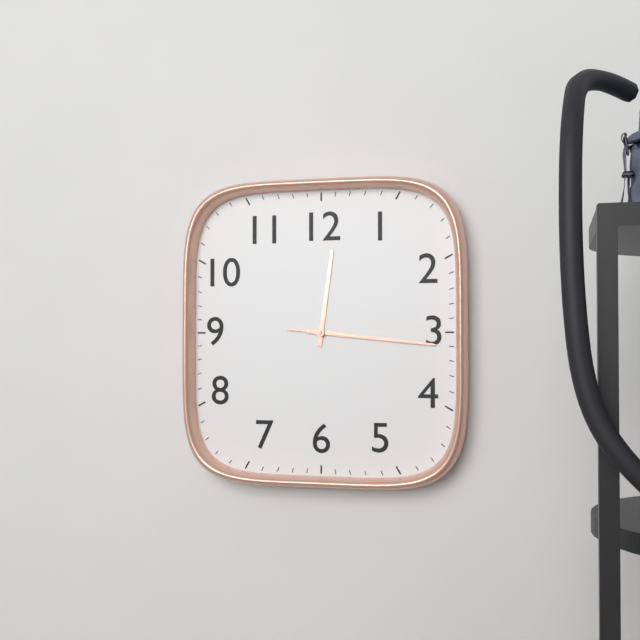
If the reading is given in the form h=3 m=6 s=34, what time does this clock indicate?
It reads h=12 m=16 s=16
